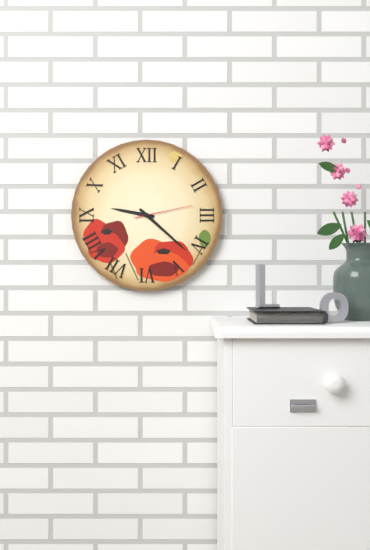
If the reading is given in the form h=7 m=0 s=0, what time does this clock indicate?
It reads h=9 m=22 s=13
